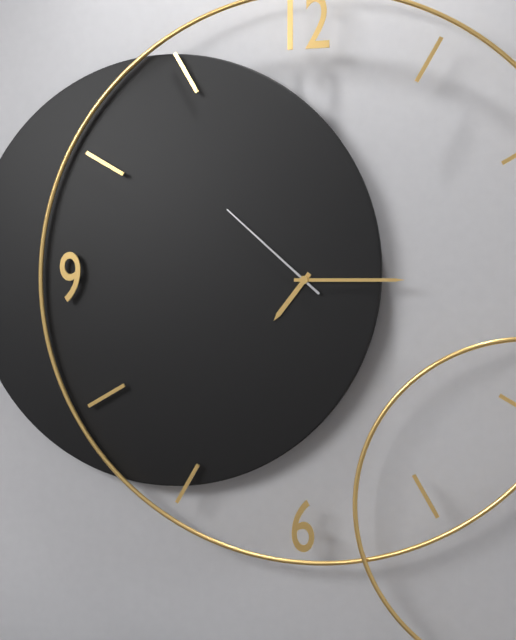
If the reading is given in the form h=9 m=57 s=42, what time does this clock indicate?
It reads h=7 m=15 s=52
